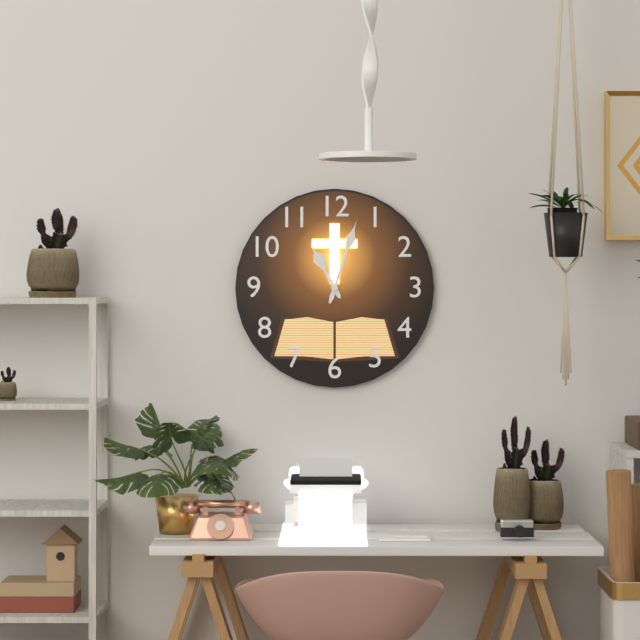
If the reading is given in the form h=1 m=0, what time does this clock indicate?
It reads h=11 m=3
